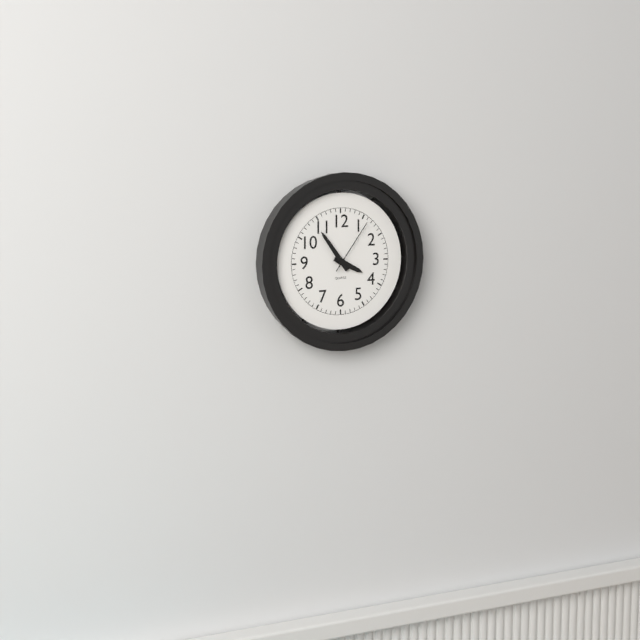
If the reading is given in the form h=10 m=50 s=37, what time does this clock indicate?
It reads h=3 m=54 s=6
